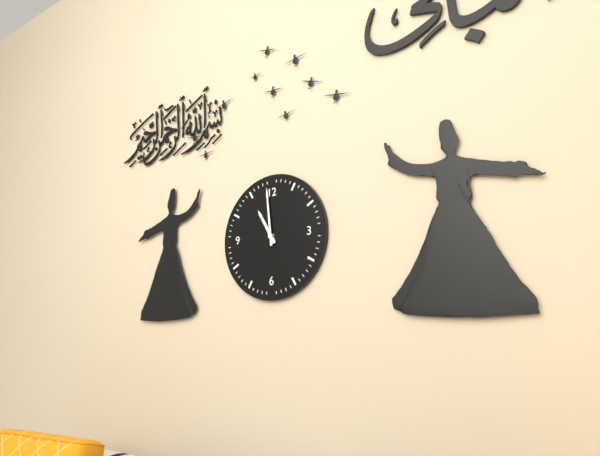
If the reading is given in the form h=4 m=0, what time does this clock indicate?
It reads h=10 m=59
